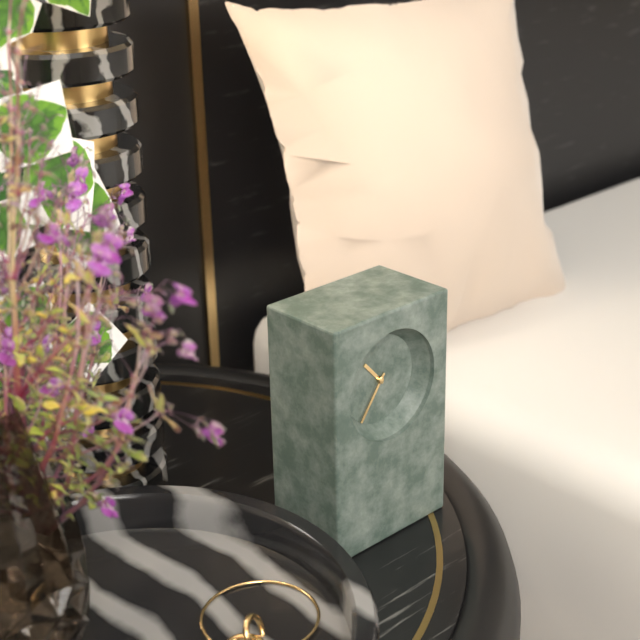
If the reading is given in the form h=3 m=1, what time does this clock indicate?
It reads h=10 m=36
